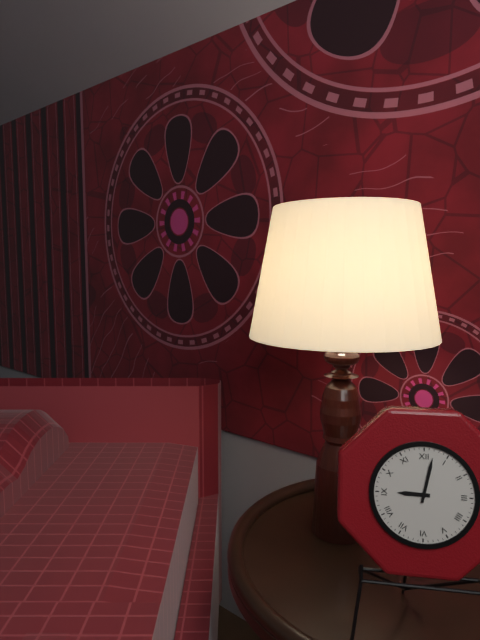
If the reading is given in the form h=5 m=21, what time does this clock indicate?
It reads h=9 m=2
